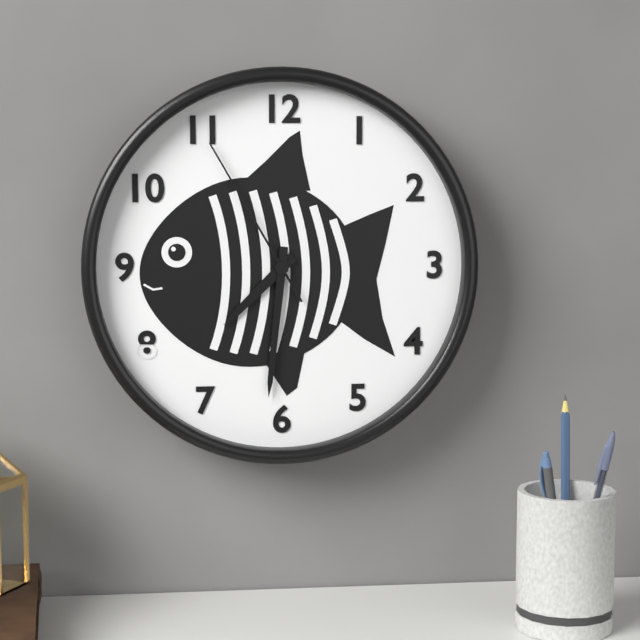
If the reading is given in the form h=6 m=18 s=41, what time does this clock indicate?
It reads h=7 m=31 s=55
